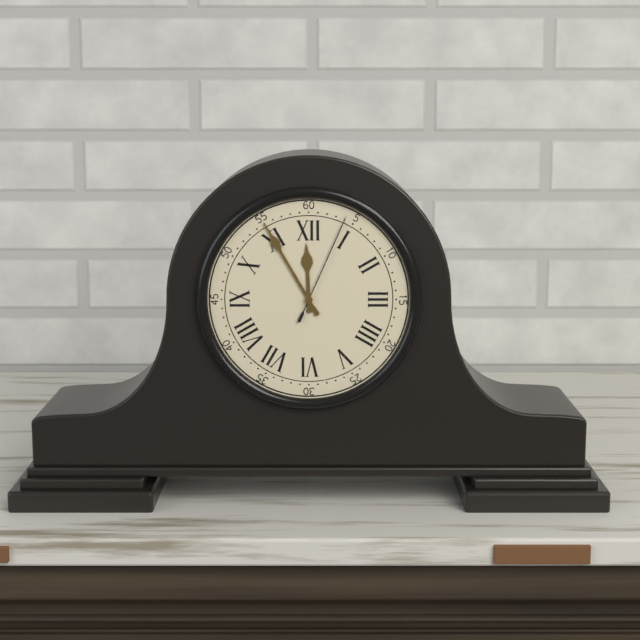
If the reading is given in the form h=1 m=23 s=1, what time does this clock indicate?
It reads h=11 m=55 s=4
